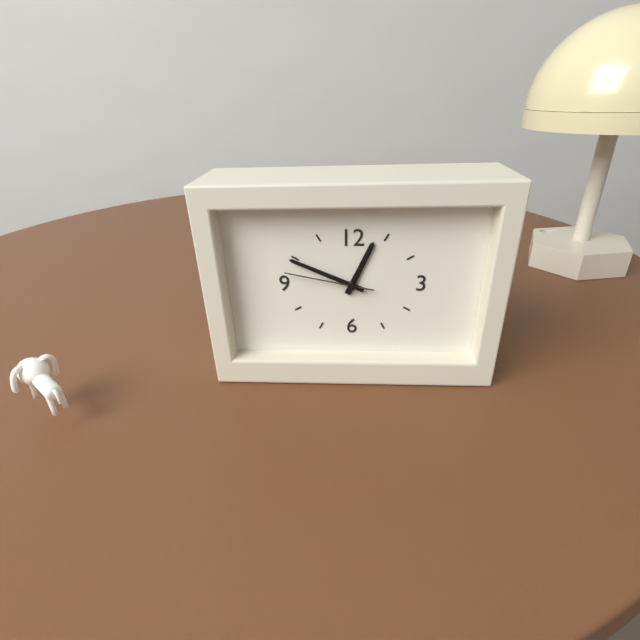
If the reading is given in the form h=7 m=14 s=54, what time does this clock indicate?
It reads h=12 m=49 s=47
